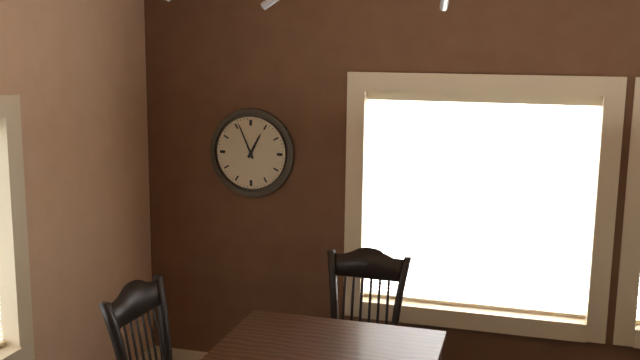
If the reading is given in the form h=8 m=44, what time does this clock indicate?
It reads h=12 m=56
